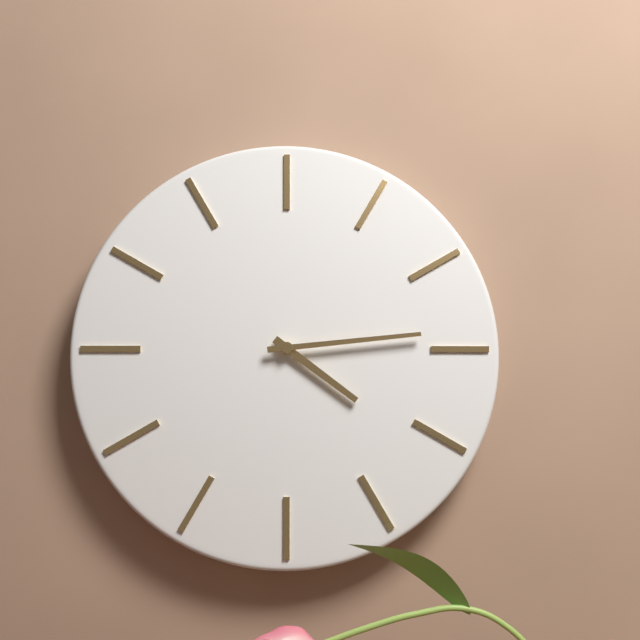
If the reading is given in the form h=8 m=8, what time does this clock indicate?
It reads h=4 m=14
